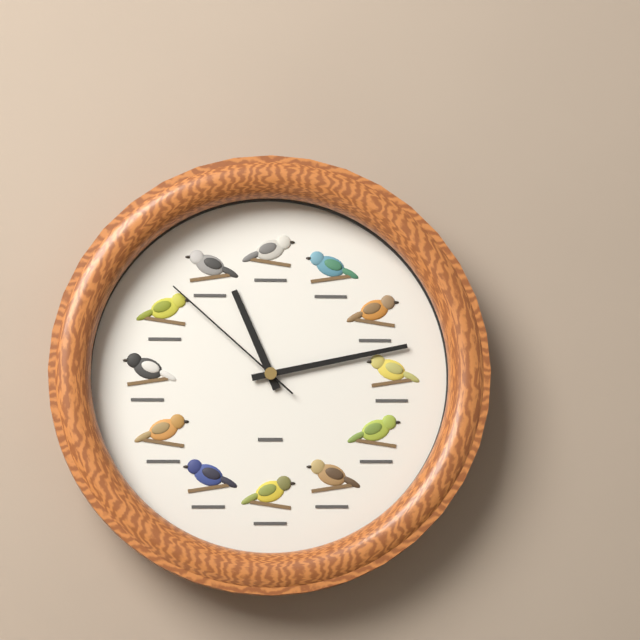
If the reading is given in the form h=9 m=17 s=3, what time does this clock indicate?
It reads h=11 m=13 s=52
